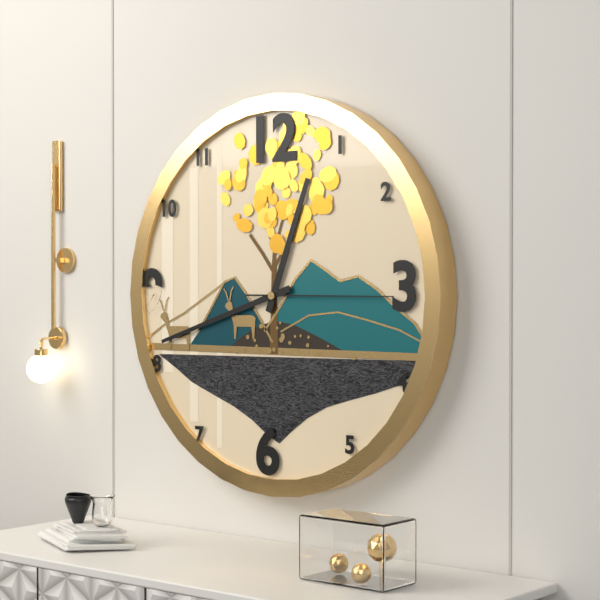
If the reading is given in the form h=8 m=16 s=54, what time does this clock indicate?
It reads h=12 m=42 s=15
